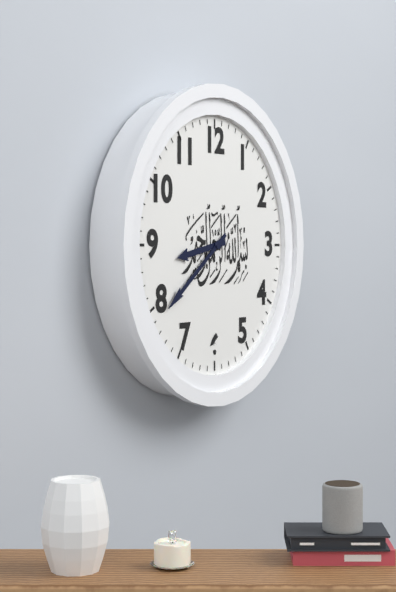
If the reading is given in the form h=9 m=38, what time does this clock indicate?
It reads h=8 m=39
